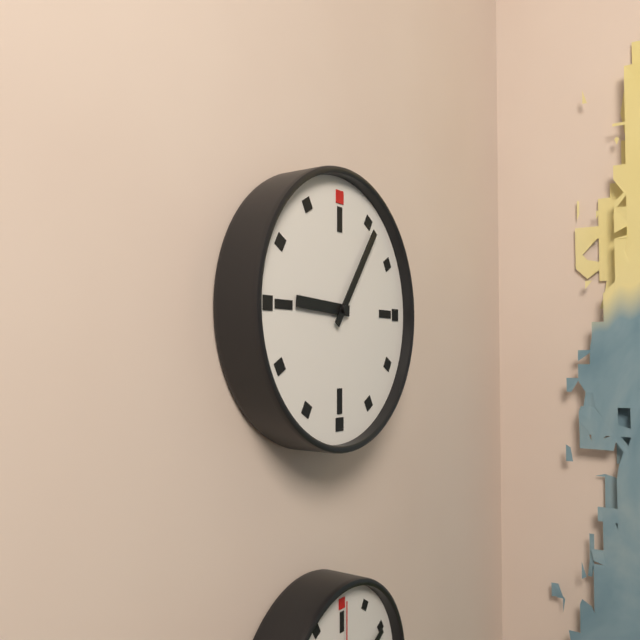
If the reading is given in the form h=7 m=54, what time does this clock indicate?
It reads h=9 m=6
